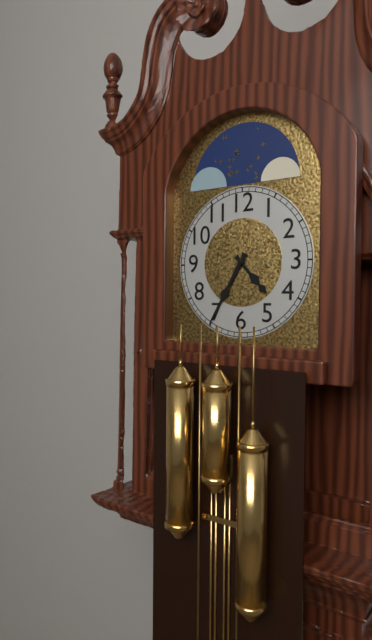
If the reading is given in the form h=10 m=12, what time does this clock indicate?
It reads h=4 m=35
